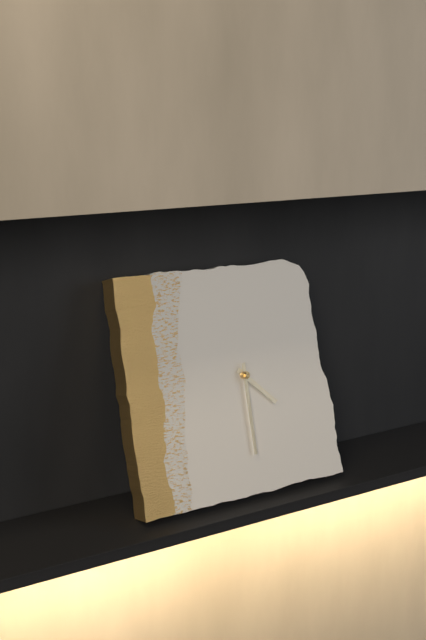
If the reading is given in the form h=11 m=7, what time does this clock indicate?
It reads h=4 m=30
